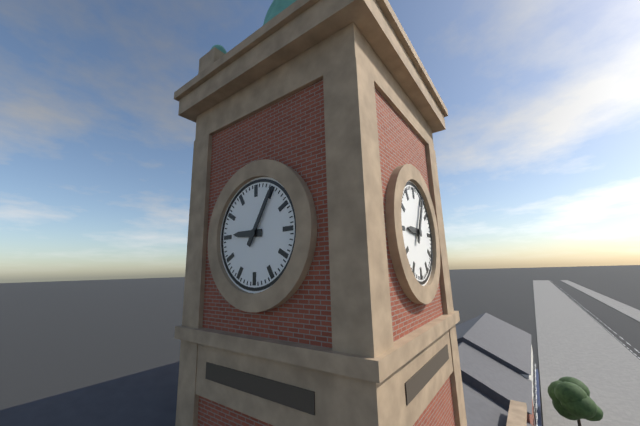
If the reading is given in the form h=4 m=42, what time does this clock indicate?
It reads h=9 m=5
